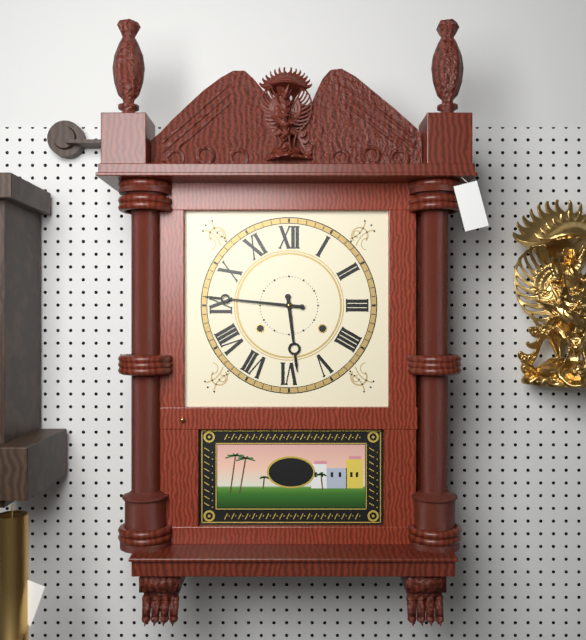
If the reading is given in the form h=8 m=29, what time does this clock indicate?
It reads h=5 m=46
